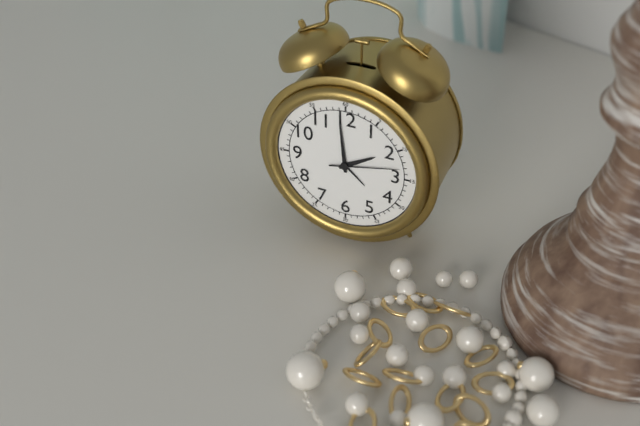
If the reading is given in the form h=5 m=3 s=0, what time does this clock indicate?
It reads h=1 m=59 s=13
